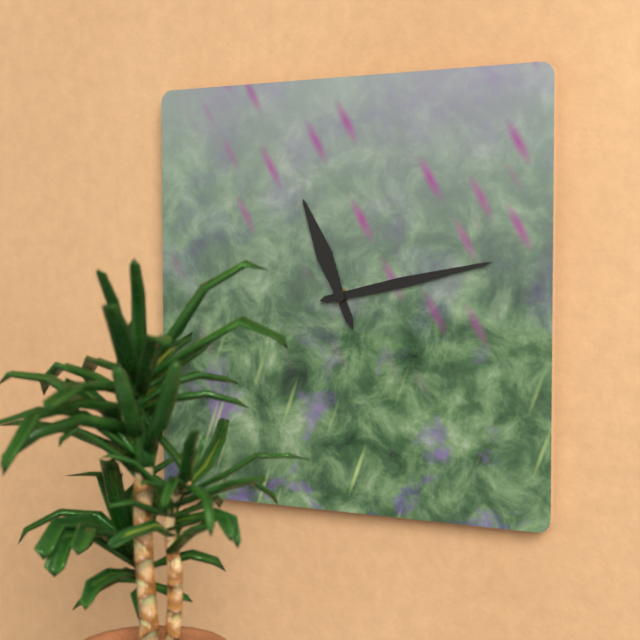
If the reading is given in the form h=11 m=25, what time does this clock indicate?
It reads h=11 m=13
